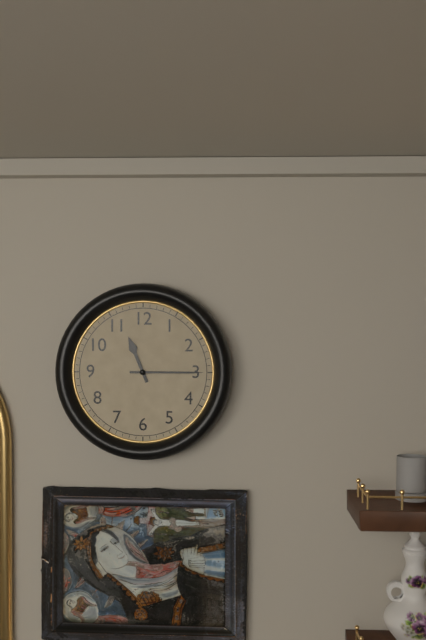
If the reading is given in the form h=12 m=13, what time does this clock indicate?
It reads h=11 m=15
